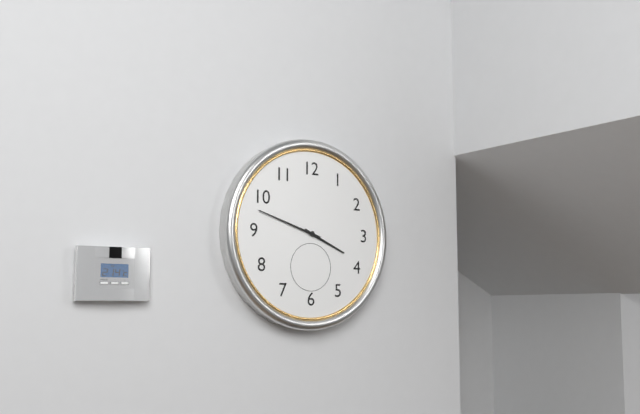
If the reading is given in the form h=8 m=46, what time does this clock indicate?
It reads h=3 m=48
